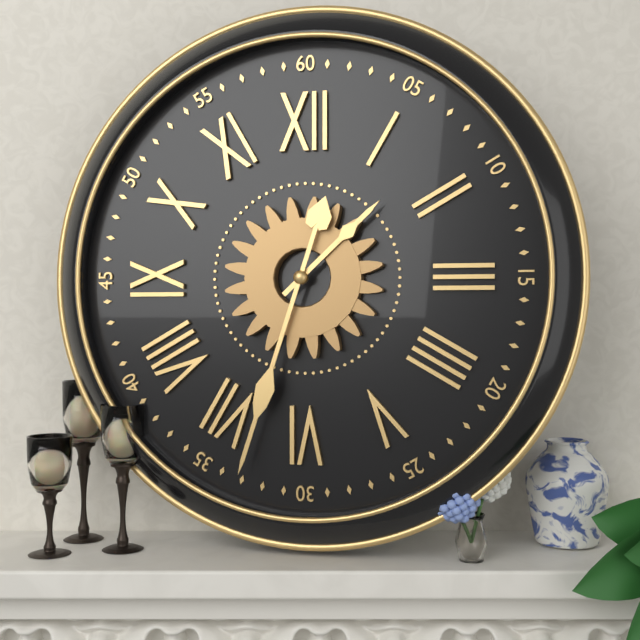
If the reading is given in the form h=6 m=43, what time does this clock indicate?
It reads h=1 m=33
